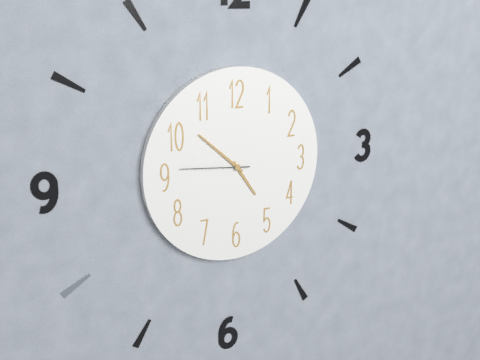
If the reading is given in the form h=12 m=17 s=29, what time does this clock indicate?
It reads h=4 m=52 s=46
